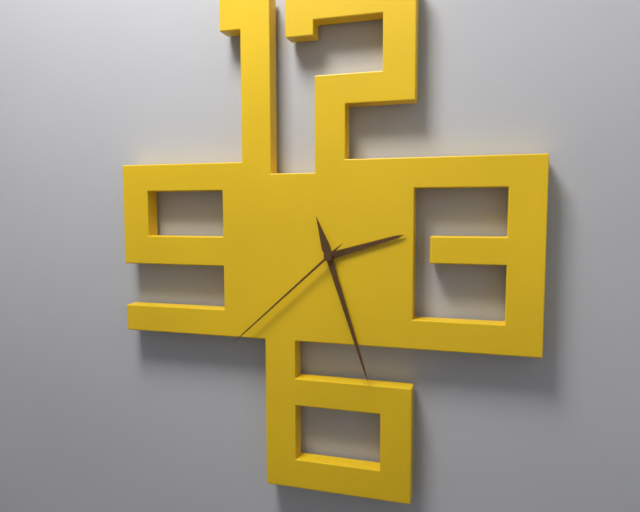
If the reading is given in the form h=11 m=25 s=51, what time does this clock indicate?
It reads h=2 m=27 s=38
